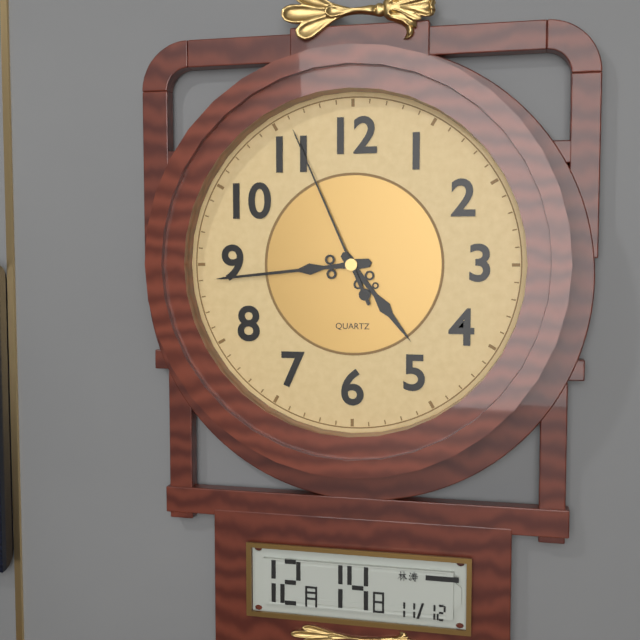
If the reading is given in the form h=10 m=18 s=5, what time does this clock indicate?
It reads h=4 m=44 s=56
